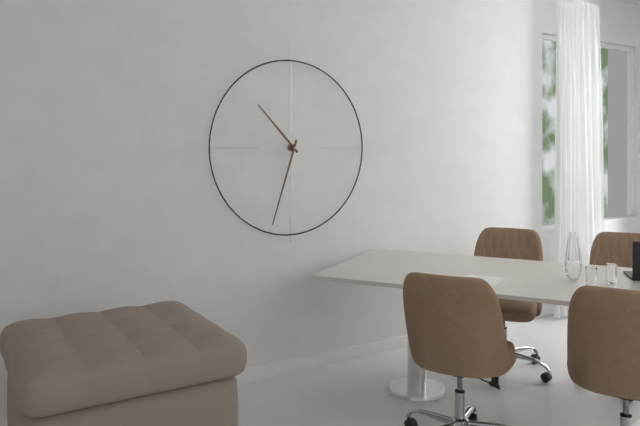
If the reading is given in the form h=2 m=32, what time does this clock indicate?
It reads h=10 m=33
